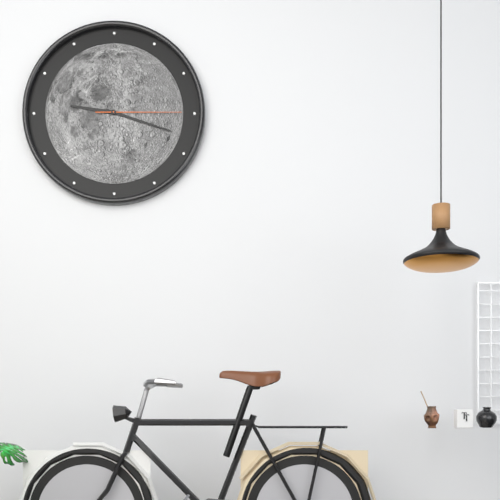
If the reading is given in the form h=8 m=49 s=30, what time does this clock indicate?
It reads h=9 m=18 s=15
